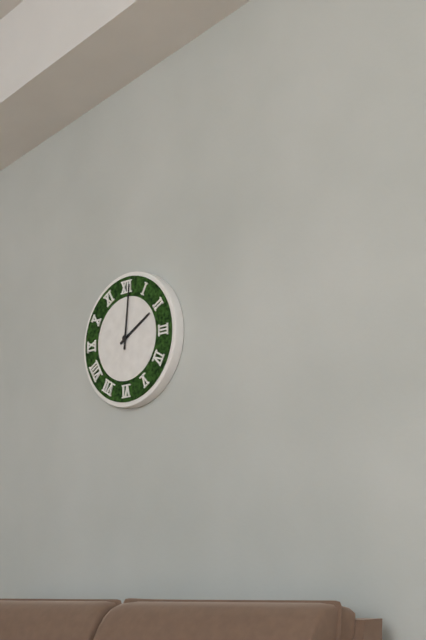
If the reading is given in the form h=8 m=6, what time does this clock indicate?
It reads h=2 m=1
